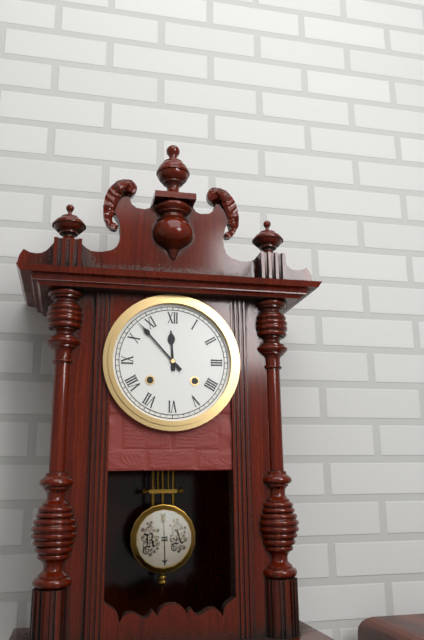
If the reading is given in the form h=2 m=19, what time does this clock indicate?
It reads h=11 m=53
